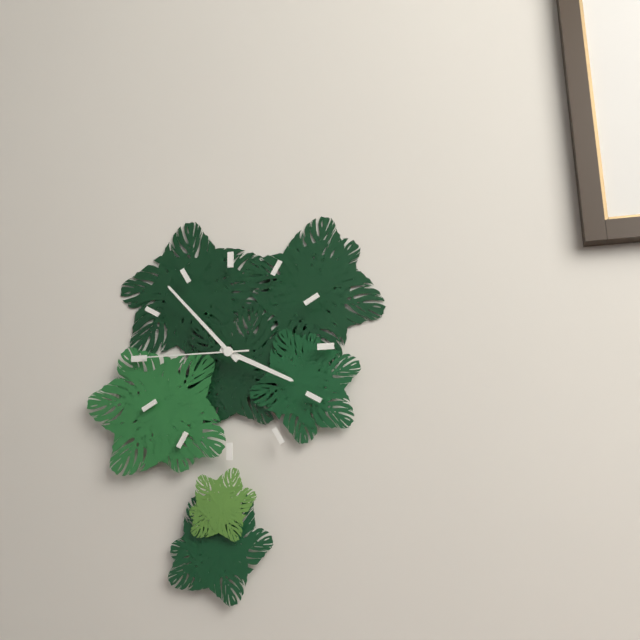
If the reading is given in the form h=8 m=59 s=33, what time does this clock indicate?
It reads h=3 m=53 s=45
